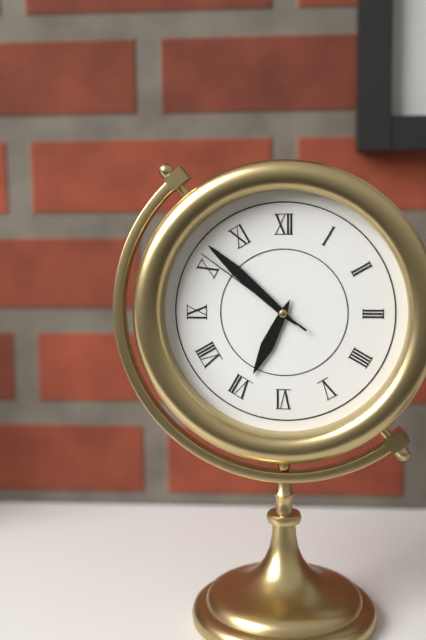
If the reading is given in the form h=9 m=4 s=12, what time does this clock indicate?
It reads h=6 m=52 s=51
